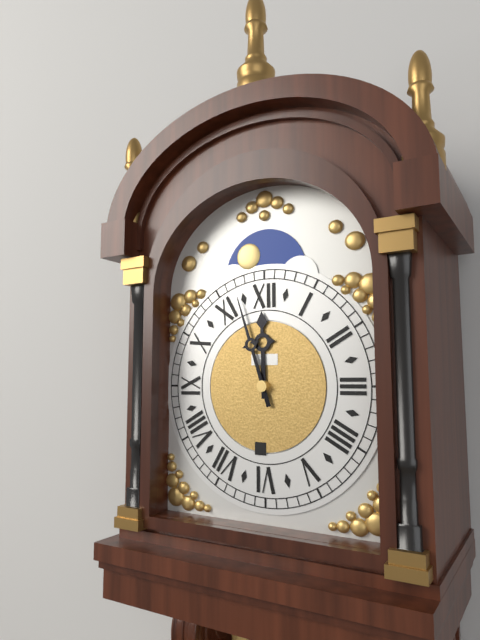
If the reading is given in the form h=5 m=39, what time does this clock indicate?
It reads h=11 m=57
